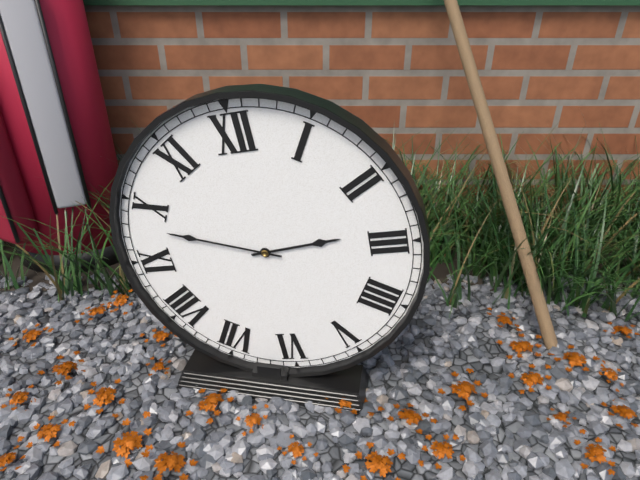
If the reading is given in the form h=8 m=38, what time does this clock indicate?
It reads h=2 m=48
